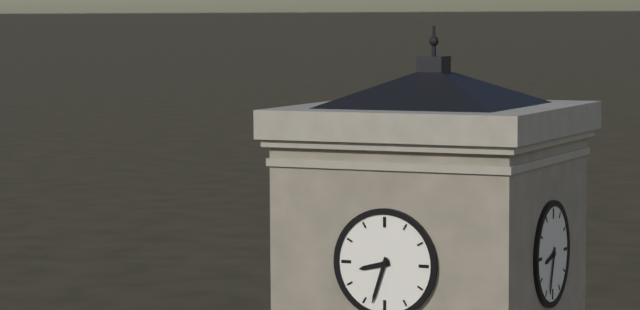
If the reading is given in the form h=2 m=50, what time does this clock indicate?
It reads h=8 m=33
